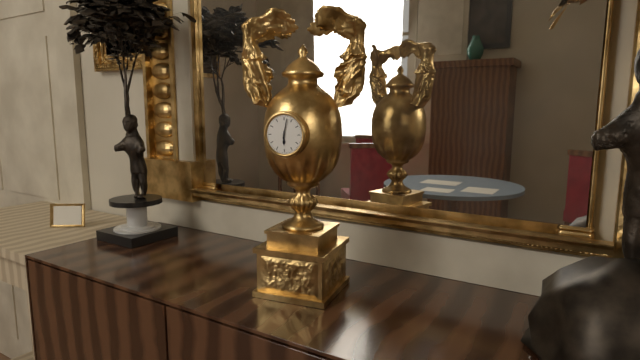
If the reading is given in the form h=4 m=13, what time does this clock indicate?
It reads h=6 m=2
